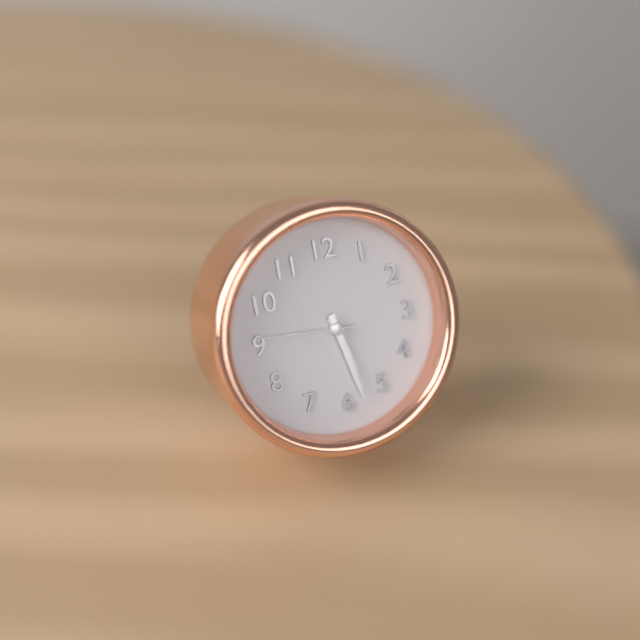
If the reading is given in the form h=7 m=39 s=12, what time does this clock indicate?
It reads h=5 m=28 s=46
